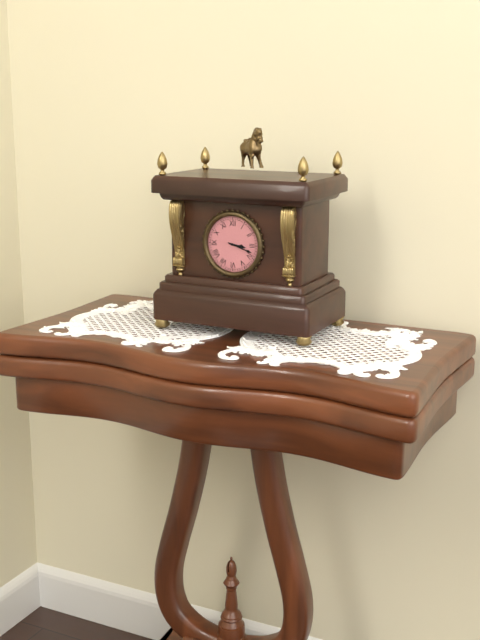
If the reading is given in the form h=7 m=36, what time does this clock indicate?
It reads h=3 m=18
